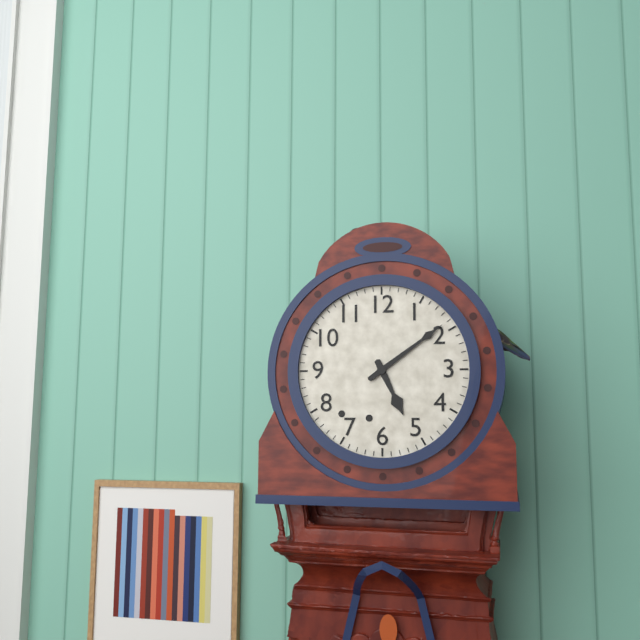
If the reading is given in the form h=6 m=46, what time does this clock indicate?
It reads h=5 m=9
